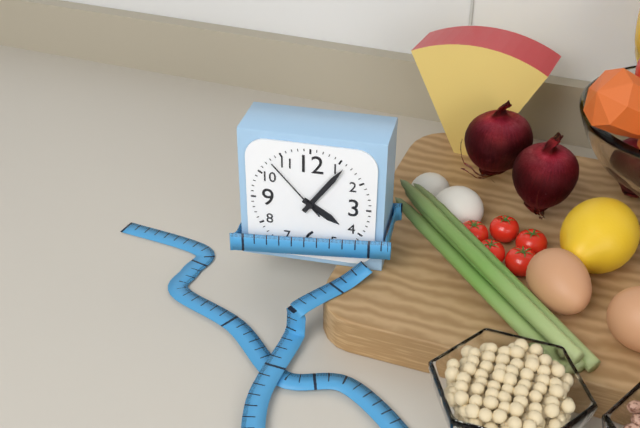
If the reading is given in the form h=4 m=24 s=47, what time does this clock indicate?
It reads h=4 m=6 s=53
